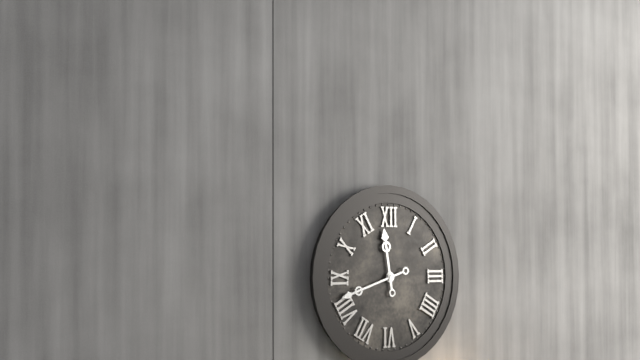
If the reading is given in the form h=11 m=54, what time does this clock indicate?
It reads h=11 m=42
